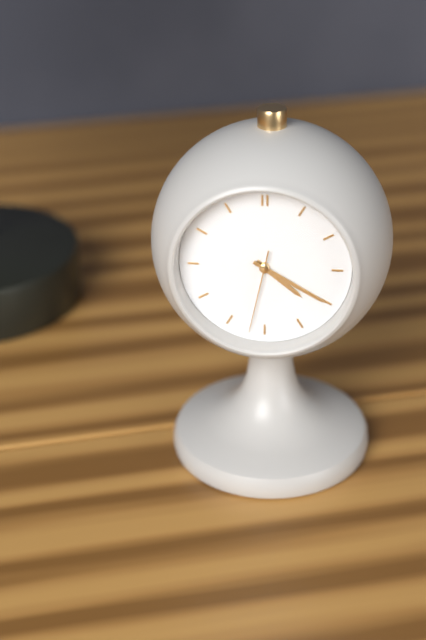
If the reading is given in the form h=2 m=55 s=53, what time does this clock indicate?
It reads h=4 m=20 s=32
